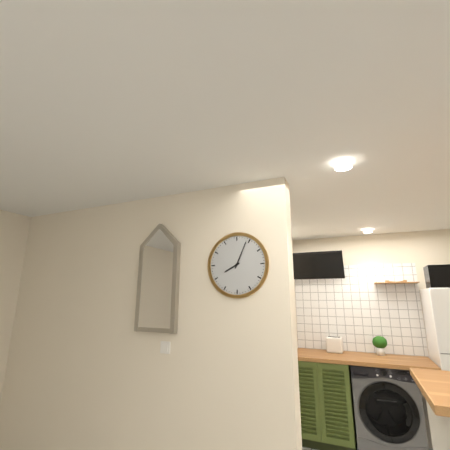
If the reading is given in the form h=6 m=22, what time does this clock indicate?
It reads h=8 m=4
